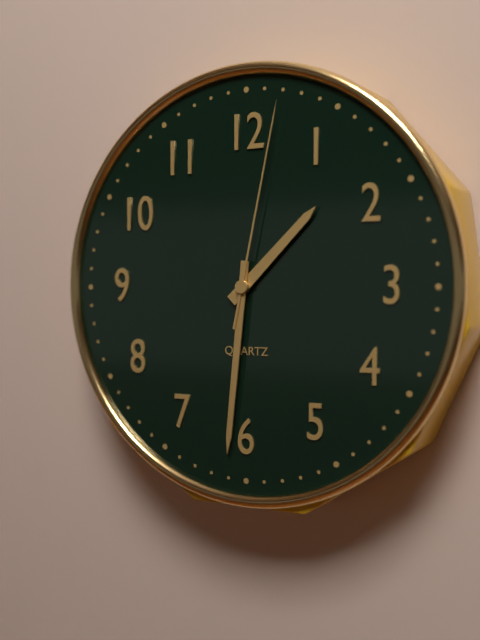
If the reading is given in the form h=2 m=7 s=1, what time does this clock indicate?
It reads h=1 m=31 s=2
